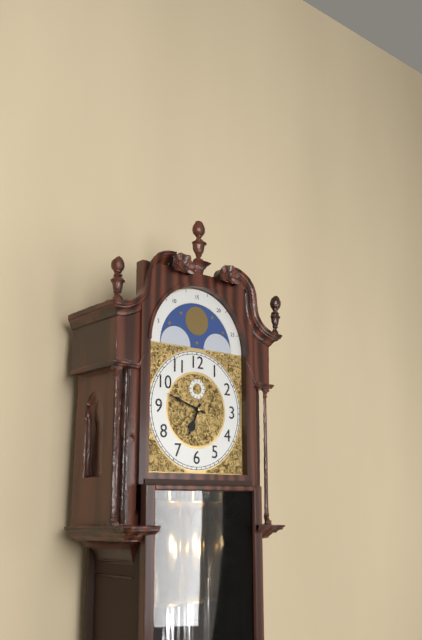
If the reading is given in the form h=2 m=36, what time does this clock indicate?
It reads h=6 m=48
